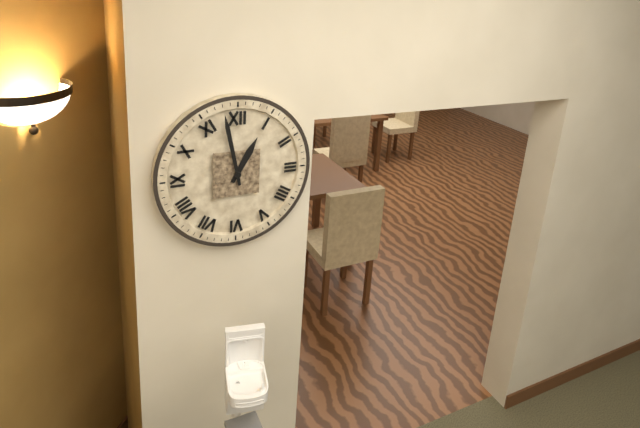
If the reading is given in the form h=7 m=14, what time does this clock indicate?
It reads h=12 m=58
